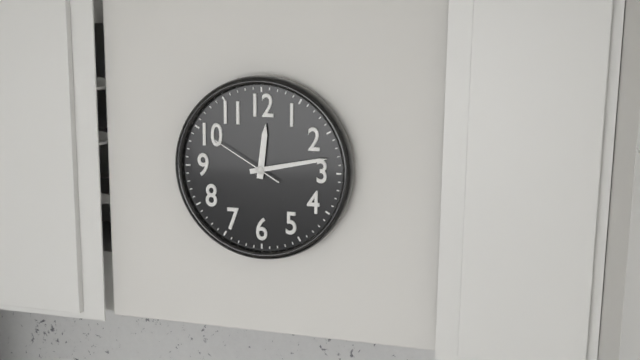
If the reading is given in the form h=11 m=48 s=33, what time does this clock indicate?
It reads h=12 m=13 s=50
